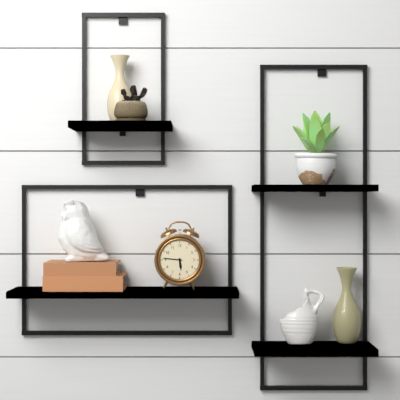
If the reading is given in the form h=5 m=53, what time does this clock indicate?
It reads h=5 m=46
